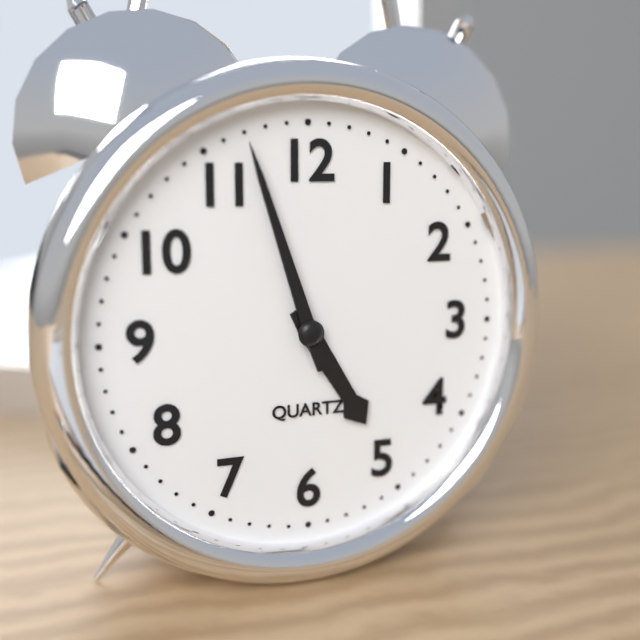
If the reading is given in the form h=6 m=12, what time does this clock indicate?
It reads h=4 m=57
